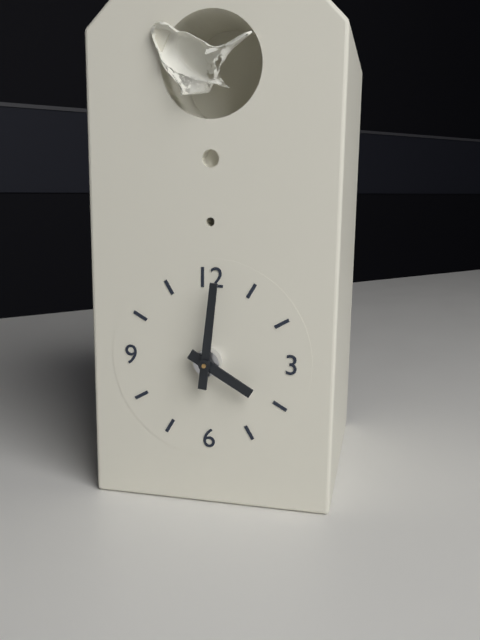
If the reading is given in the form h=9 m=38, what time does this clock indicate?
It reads h=4 m=1
